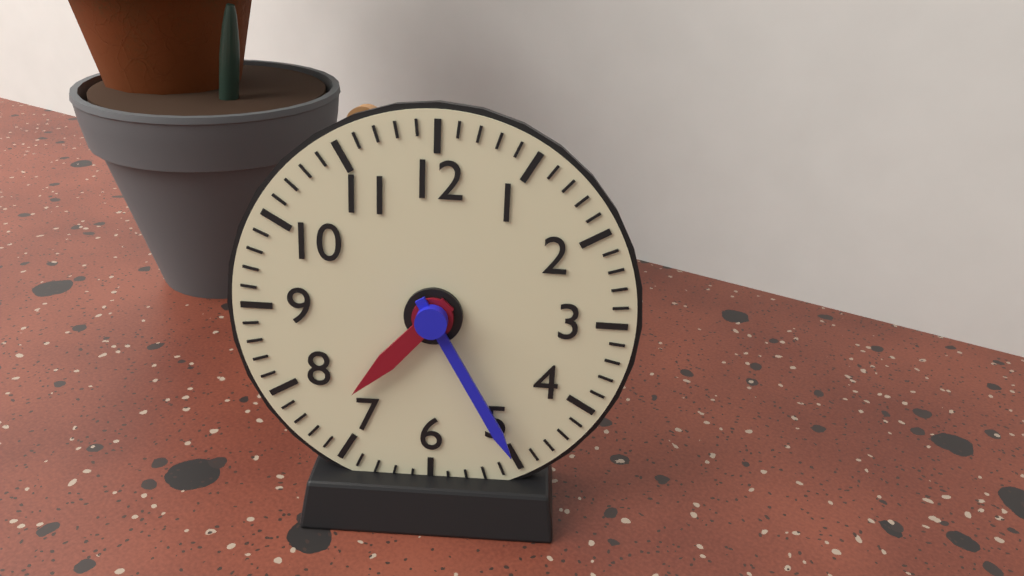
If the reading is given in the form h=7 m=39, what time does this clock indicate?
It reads h=7 m=25
